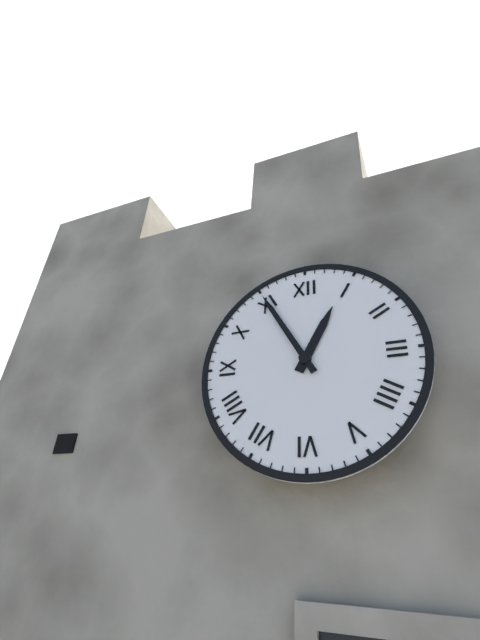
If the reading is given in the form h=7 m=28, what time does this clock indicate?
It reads h=12 m=55
